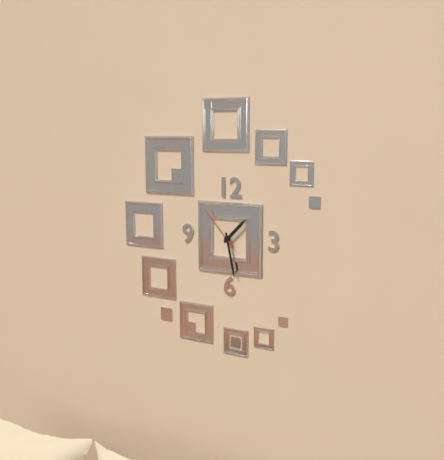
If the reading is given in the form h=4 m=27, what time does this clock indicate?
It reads h=1 m=28
